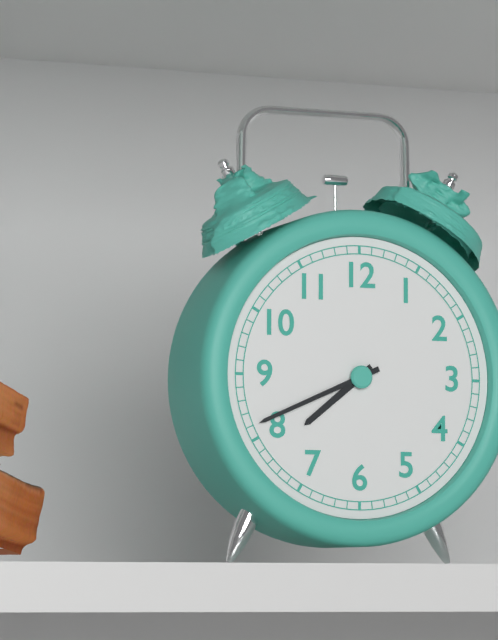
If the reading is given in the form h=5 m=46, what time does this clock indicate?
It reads h=7 m=41
